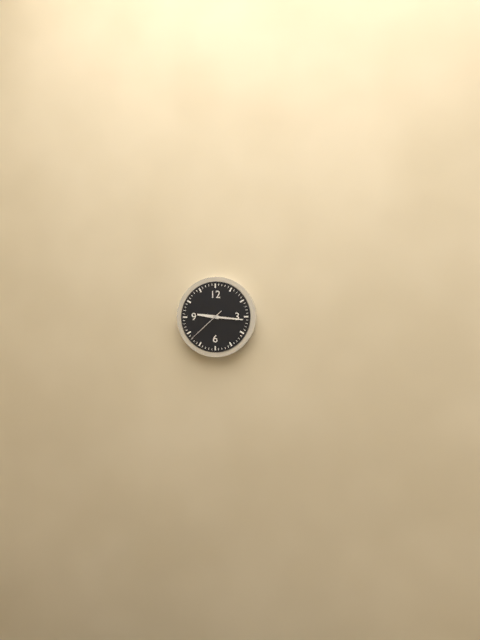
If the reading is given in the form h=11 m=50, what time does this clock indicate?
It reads h=9 m=16
